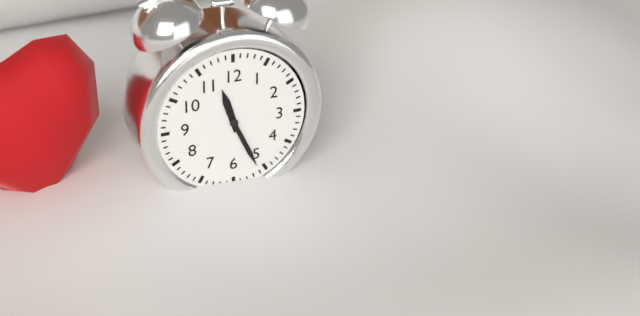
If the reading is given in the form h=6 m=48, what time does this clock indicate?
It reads h=11 m=26
